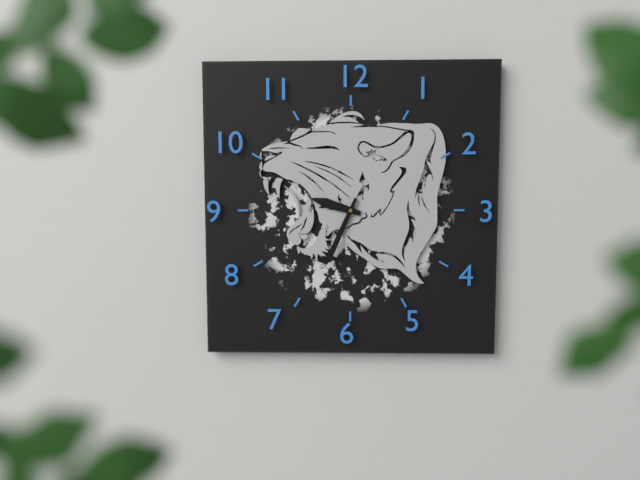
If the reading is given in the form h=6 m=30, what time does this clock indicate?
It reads h=9 m=34
